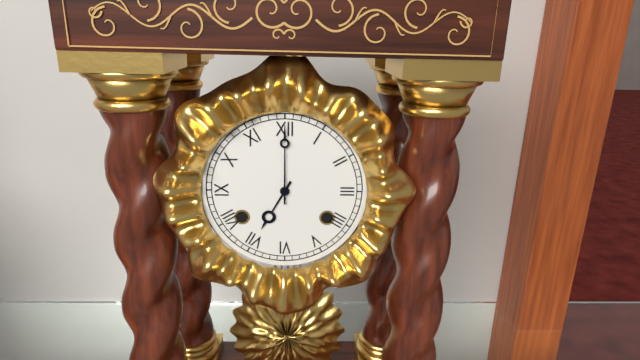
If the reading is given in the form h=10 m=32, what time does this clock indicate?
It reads h=7 m=0
